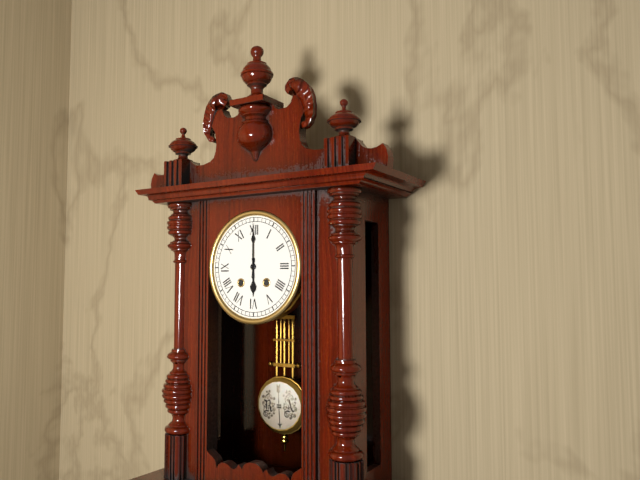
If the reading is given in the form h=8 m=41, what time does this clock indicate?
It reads h=6 m=0
